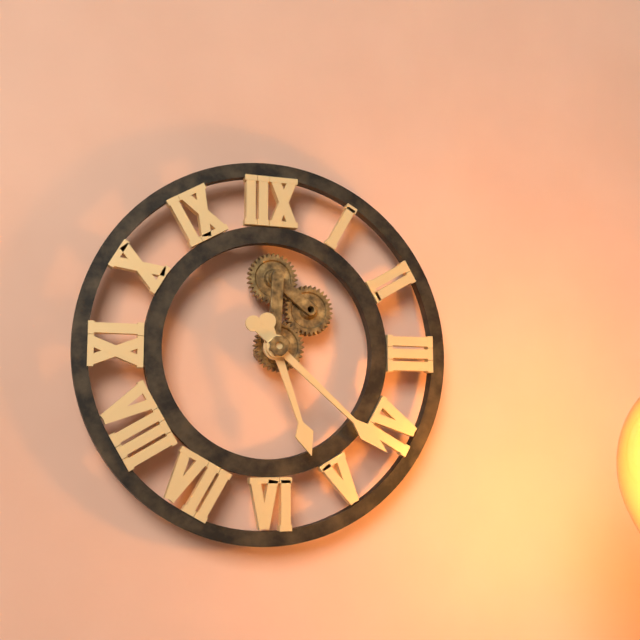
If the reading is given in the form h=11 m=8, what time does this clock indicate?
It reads h=5 m=22
